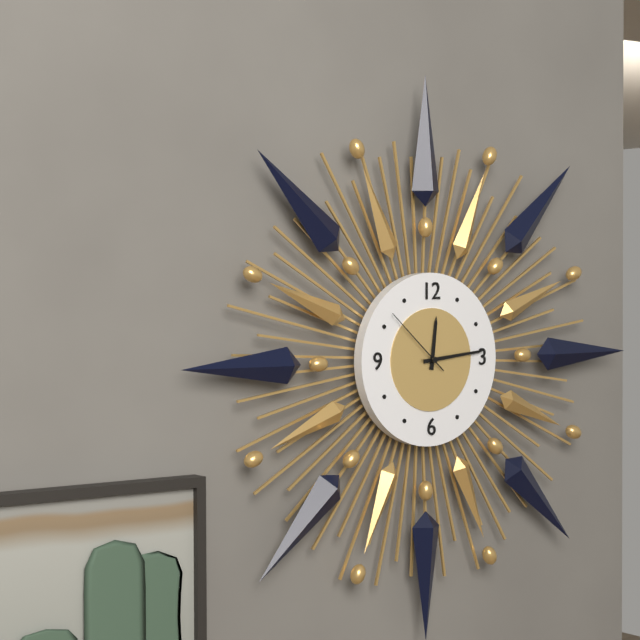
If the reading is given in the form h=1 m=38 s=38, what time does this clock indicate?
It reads h=12 m=14 s=52
